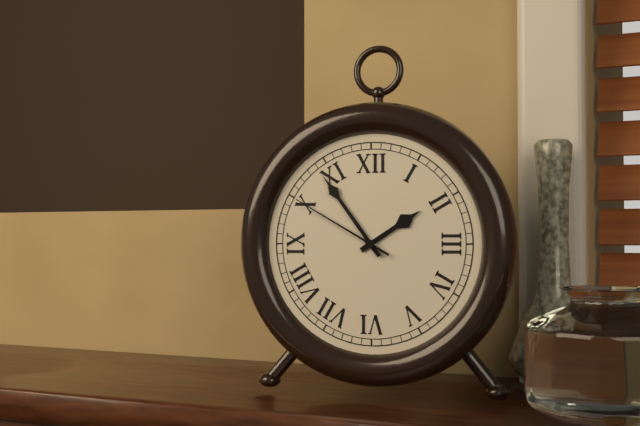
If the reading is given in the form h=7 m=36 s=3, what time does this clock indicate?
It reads h=1 m=54 s=50
